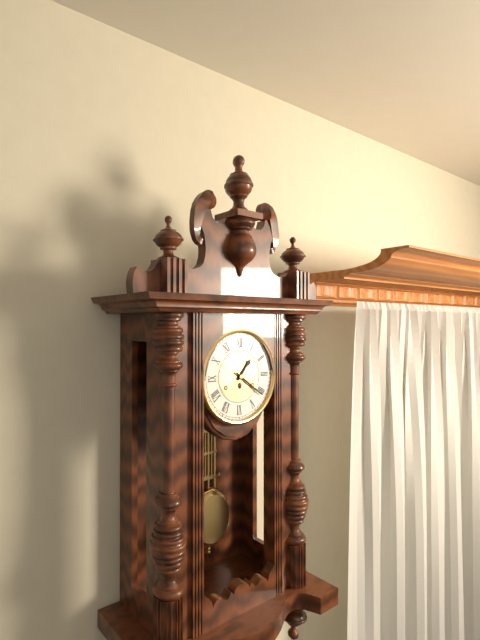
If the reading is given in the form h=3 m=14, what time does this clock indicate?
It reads h=1 m=21
